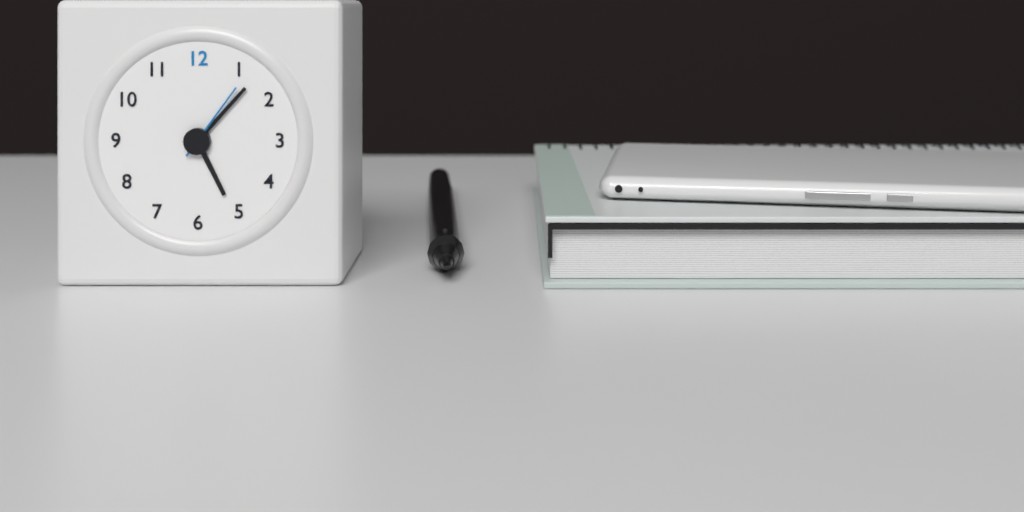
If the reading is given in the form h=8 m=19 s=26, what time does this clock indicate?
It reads h=5 m=7 s=6
